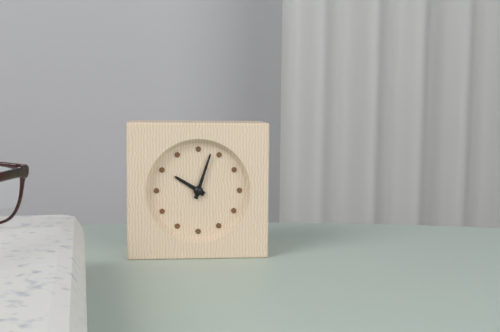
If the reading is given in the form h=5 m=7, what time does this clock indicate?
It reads h=10 m=3
